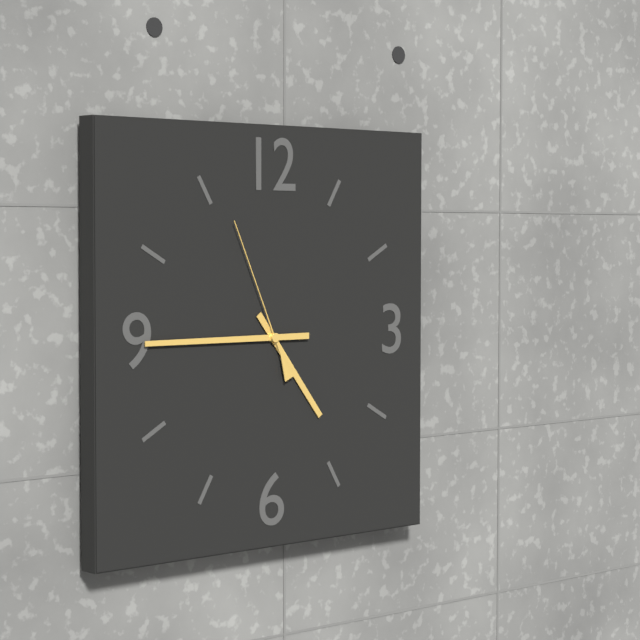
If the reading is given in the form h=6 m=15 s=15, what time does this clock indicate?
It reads h=4 m=45 s=56
